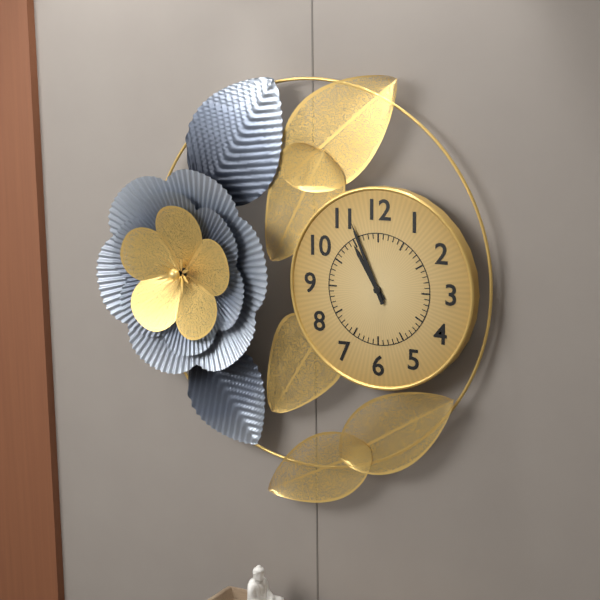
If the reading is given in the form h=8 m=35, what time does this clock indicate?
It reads h=10 m=56
